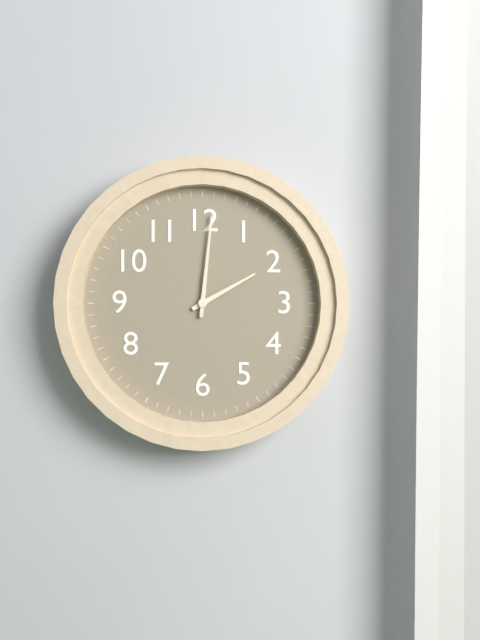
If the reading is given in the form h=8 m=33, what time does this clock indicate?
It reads h=2 m=1
